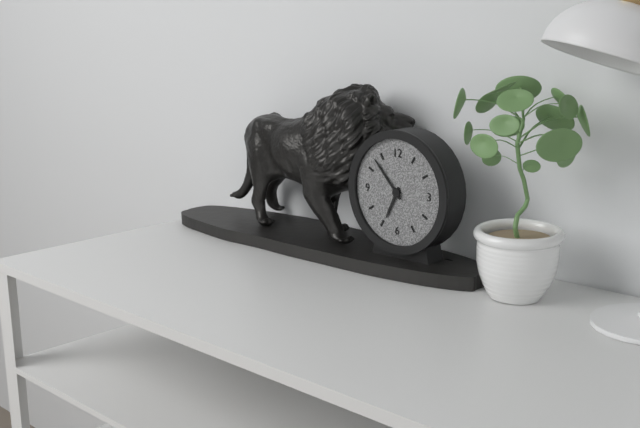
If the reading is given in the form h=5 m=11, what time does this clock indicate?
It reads h=6 m=53
